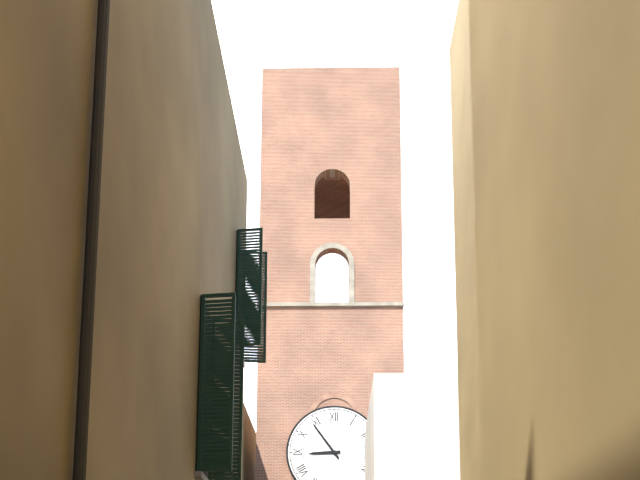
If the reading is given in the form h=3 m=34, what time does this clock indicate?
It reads h=8 m=54
